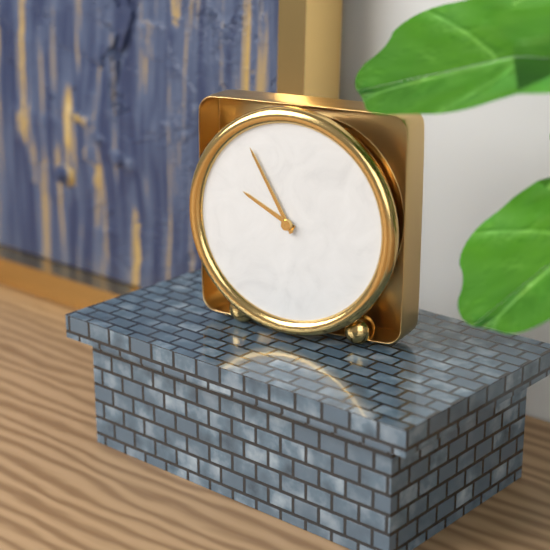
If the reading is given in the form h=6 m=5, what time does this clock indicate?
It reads h=9 m=55
